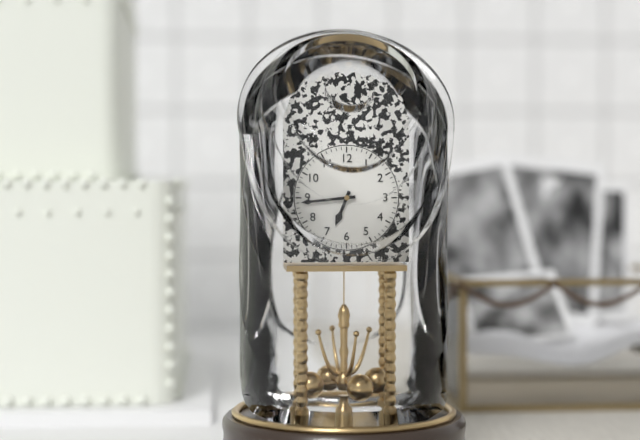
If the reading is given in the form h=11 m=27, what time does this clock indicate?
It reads h=6 m=44
